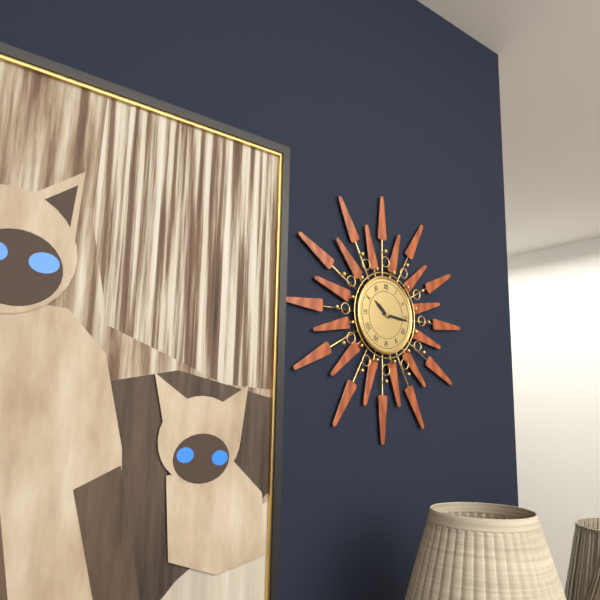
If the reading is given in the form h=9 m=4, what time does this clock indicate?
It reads h=10 m=16
